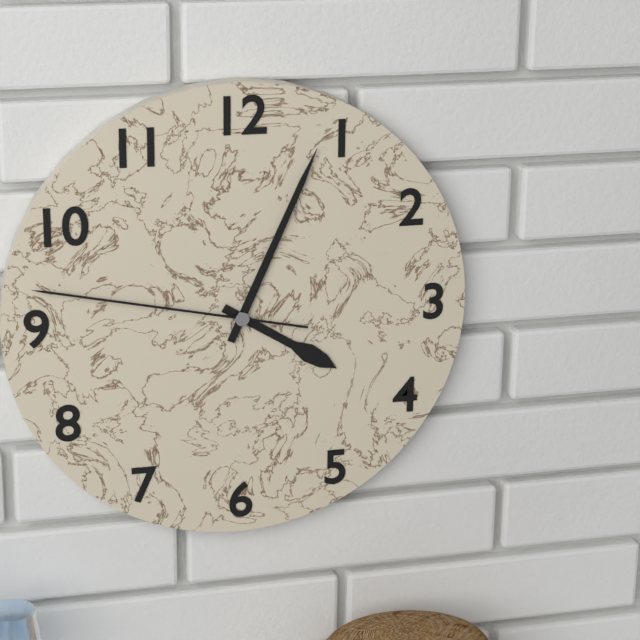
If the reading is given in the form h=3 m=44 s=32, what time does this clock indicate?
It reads h=4 m=4 s=47
